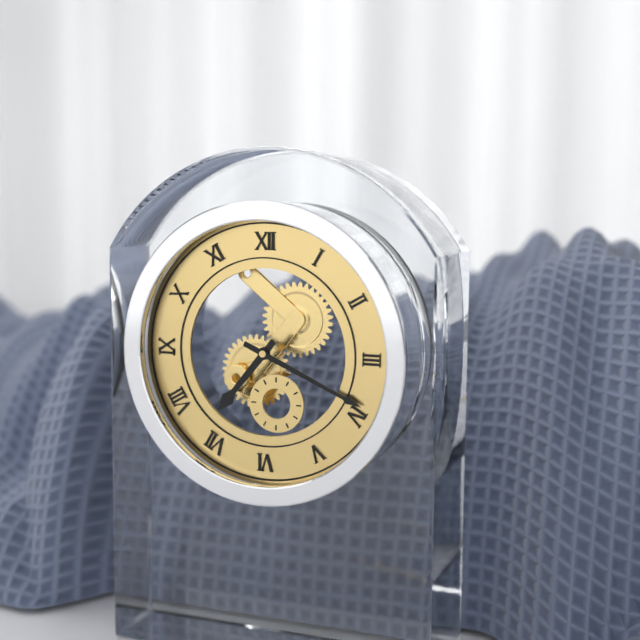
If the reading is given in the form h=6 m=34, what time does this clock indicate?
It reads h=7 m=19
